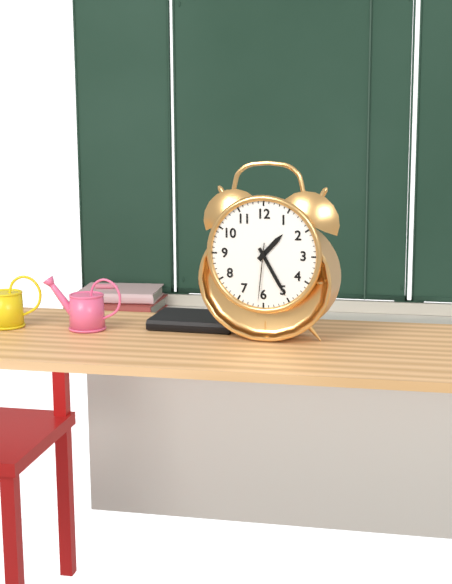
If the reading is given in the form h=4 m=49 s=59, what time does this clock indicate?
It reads h=1 m=25 s=31
